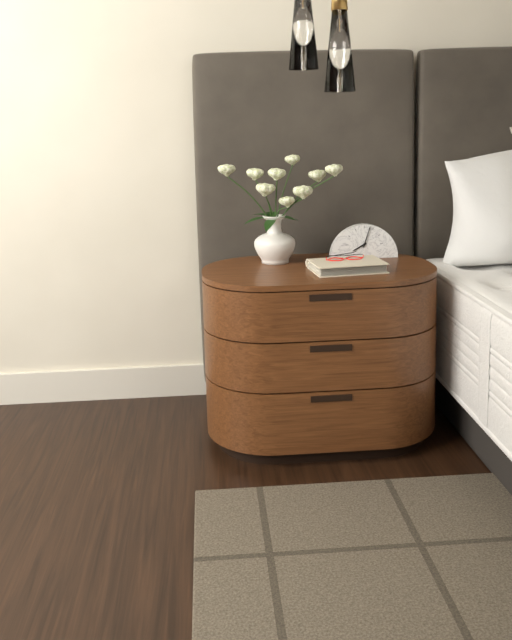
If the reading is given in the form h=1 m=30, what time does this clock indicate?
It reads h=8 m=3
